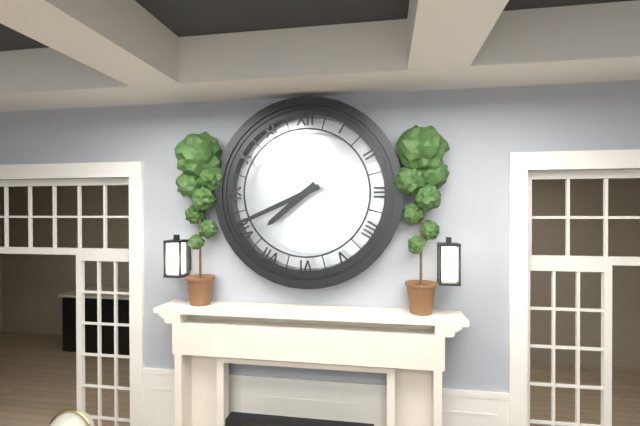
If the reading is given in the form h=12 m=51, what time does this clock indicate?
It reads h=7 m=41
